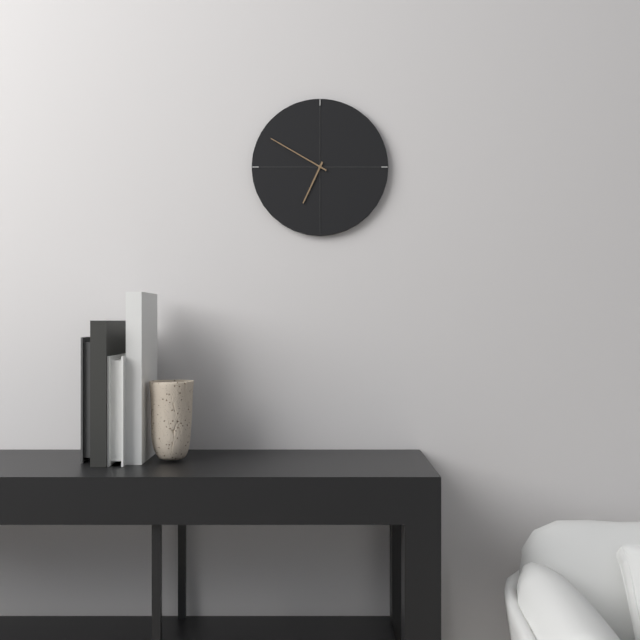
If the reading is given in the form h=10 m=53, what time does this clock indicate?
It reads h=6 m=50
